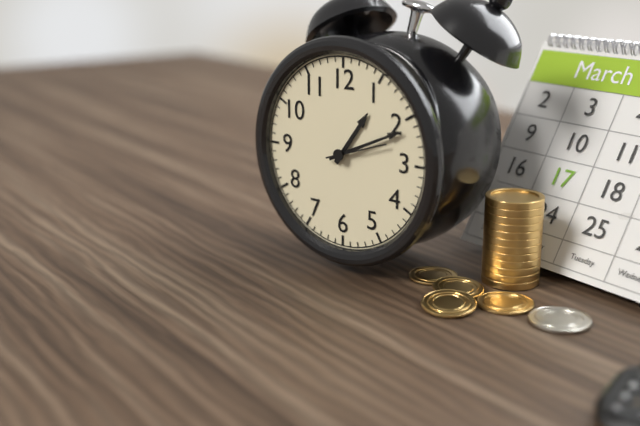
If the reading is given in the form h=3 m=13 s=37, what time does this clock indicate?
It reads h=1 m=11 s=12
